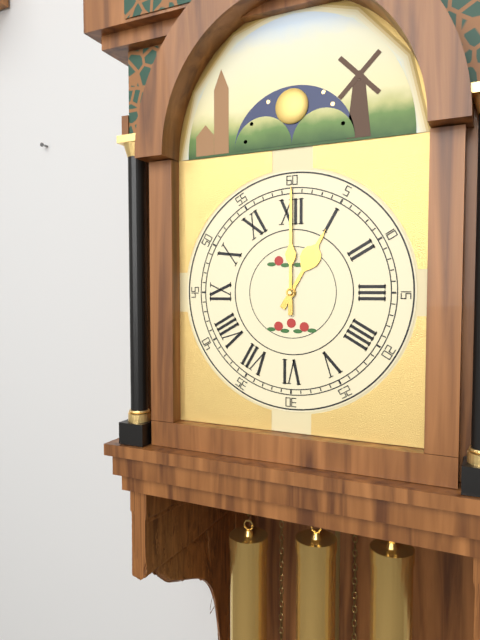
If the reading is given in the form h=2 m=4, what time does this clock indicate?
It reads h=1 m=0
